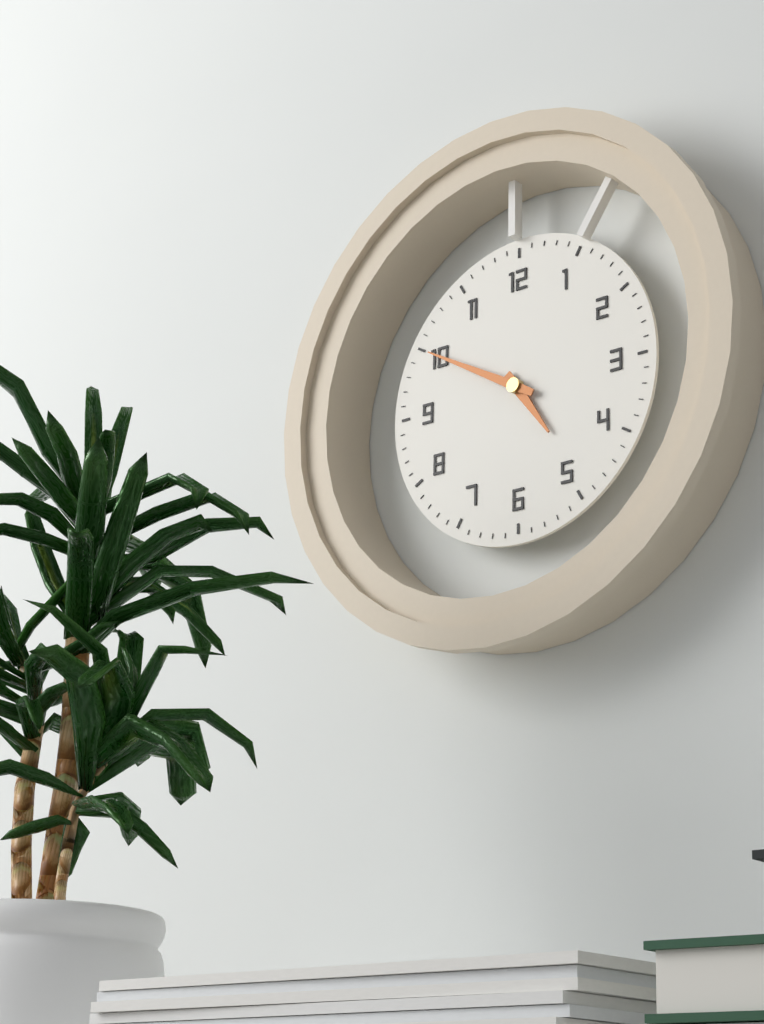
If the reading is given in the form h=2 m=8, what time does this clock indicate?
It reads h=4 m=50
